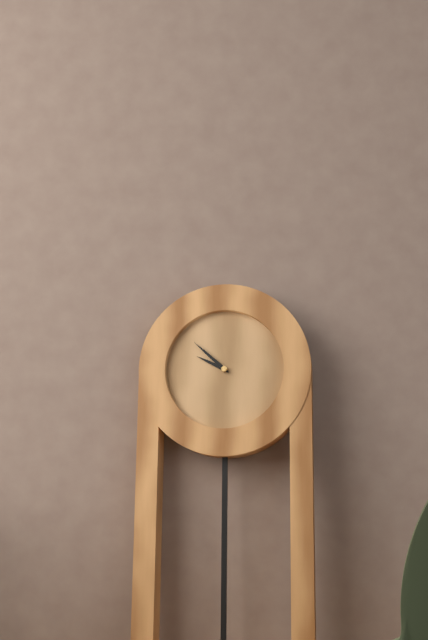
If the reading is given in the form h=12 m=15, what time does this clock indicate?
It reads h=9 m=52
